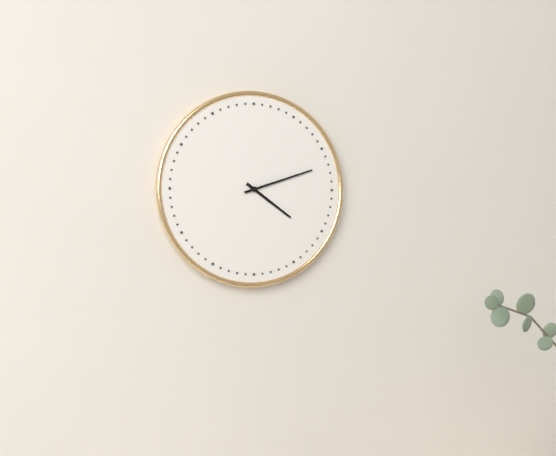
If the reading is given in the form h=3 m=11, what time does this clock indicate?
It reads h=4 m=12
